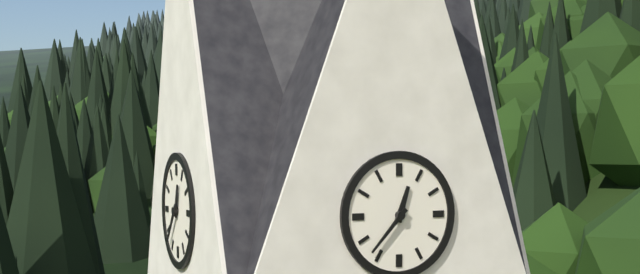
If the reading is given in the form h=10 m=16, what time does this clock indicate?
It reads h=12 m=37
